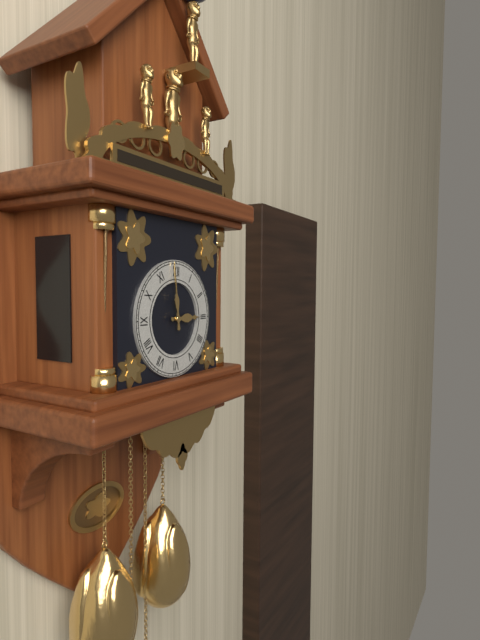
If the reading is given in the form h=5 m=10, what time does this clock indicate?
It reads h=2 m=59
